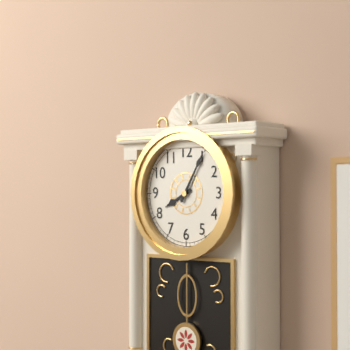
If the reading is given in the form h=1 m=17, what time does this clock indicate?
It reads h=8 m=5
